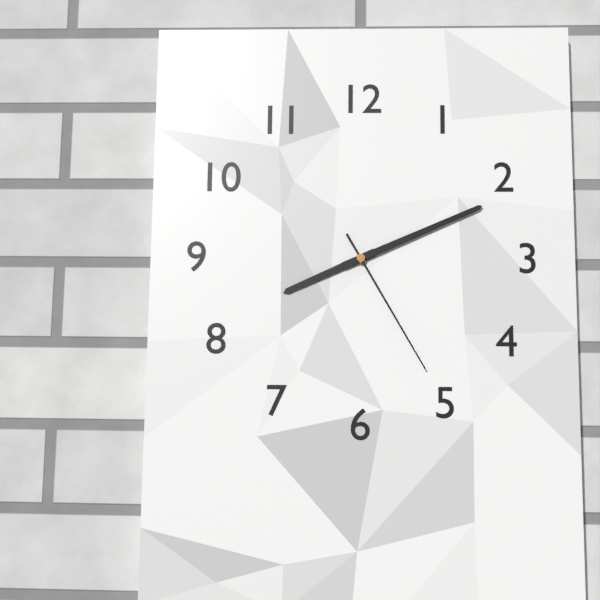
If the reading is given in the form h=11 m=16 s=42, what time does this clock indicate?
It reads h=8 m=11 s=25
